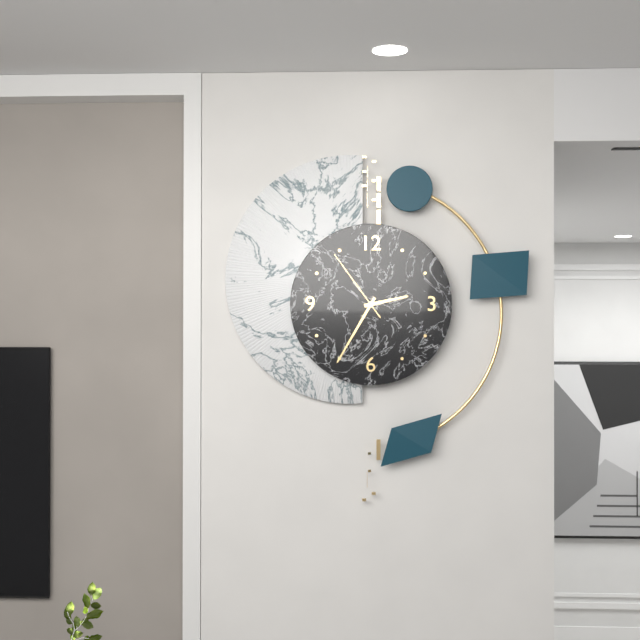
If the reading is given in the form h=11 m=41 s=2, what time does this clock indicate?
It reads h=2 m=35 s=54
